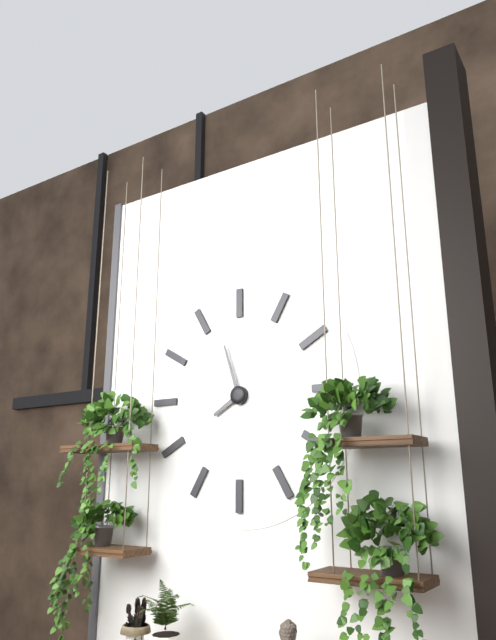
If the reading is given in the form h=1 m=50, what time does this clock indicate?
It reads h=7 m=57
